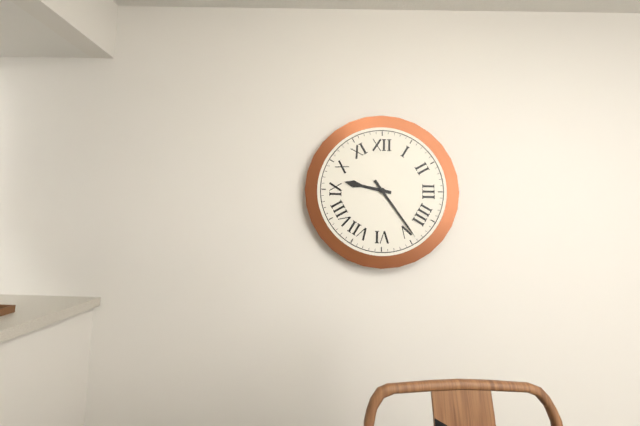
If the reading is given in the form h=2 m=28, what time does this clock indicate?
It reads h=9 m=24
